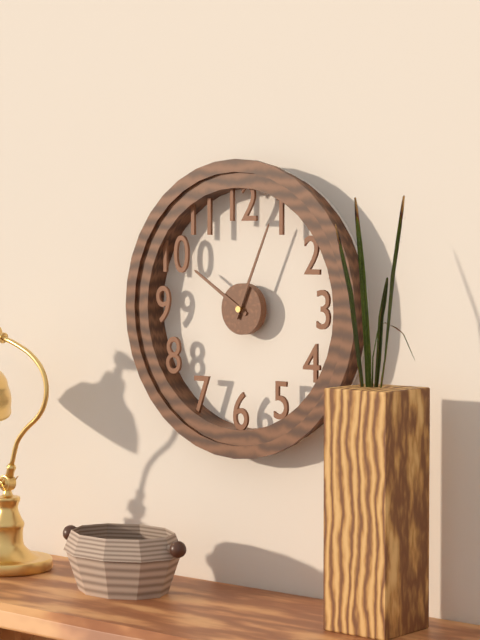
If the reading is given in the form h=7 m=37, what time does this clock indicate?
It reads h=10 m=4
